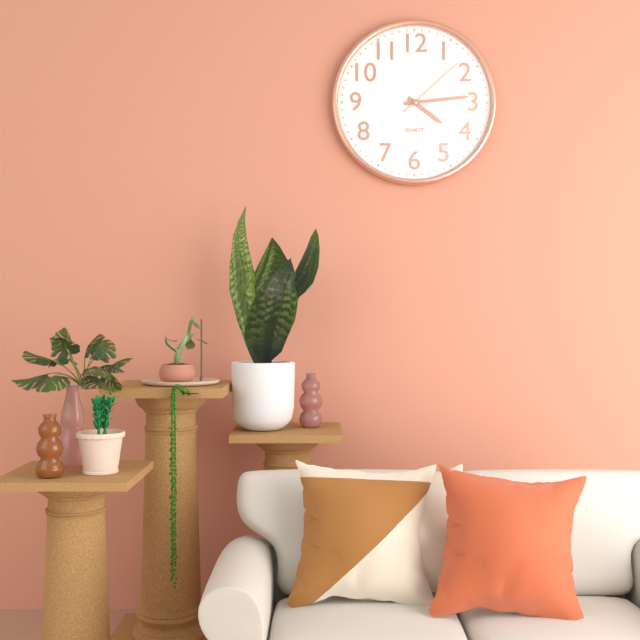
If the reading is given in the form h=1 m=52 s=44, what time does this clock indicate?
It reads h=4 m=14 s=8
